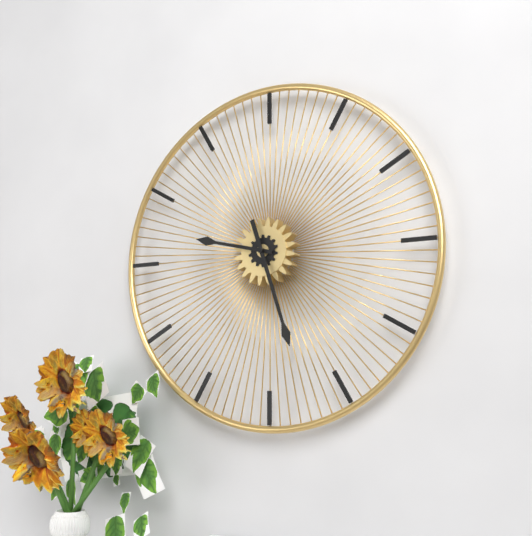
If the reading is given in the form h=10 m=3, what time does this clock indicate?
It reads h=9 m=27
